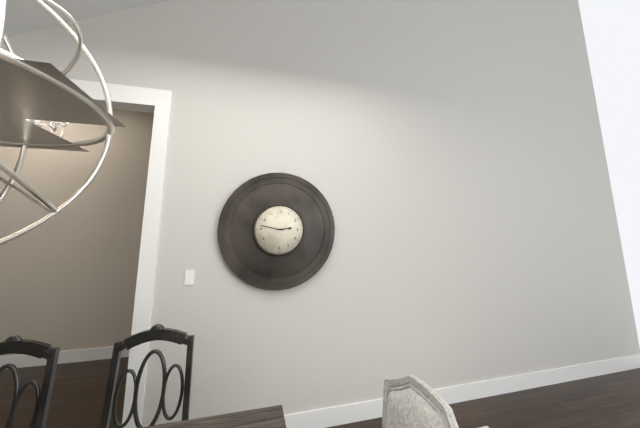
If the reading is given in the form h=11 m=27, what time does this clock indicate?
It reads h=2 m=47
